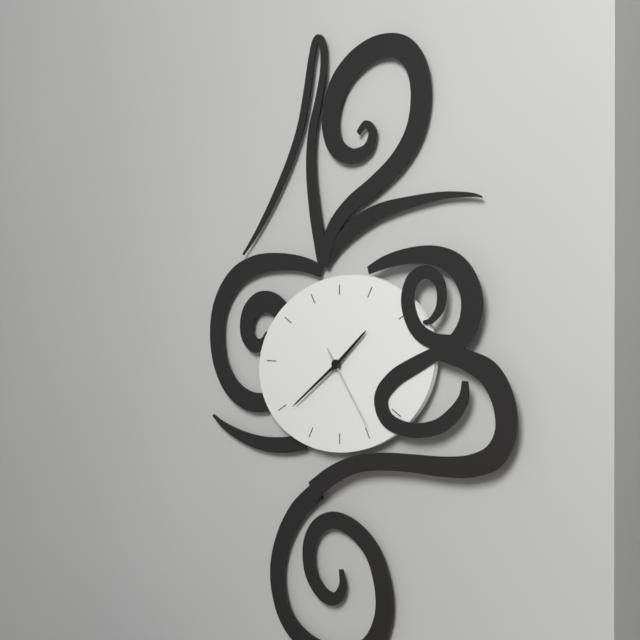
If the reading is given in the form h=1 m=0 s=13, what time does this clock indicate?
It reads h=1 m=39 s=24
